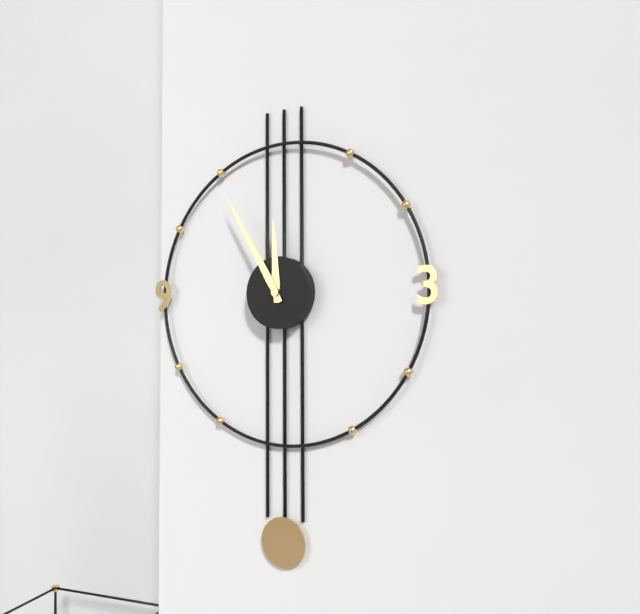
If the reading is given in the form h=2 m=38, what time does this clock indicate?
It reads h=11 m=55
